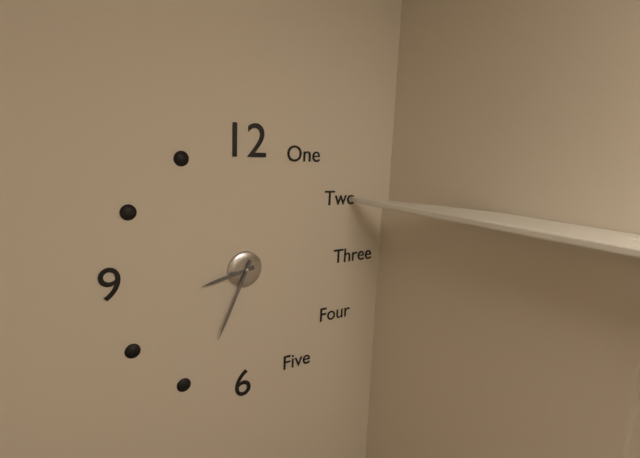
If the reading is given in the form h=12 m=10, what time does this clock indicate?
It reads h=8 m=34
